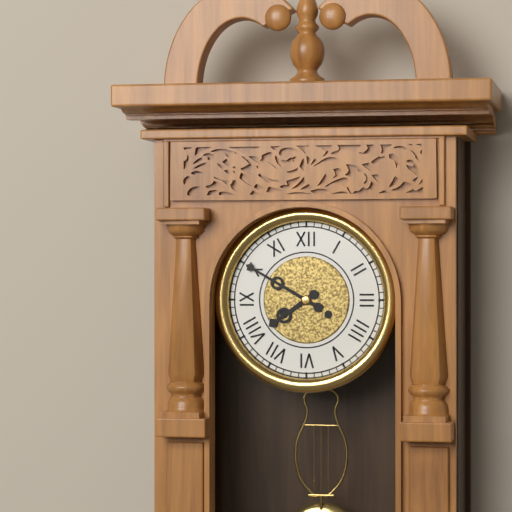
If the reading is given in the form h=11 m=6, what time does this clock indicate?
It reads h=7 m=50
